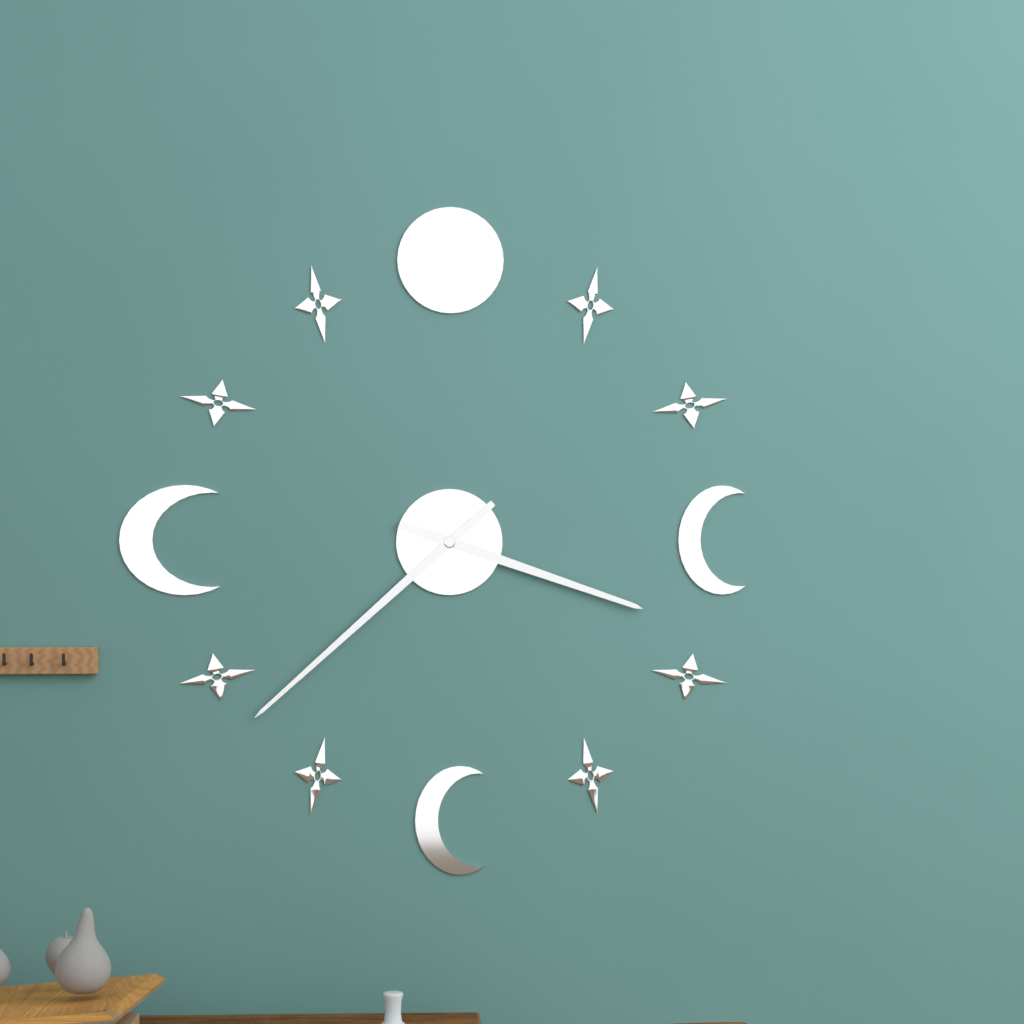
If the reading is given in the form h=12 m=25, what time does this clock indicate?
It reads h=3 m=38
